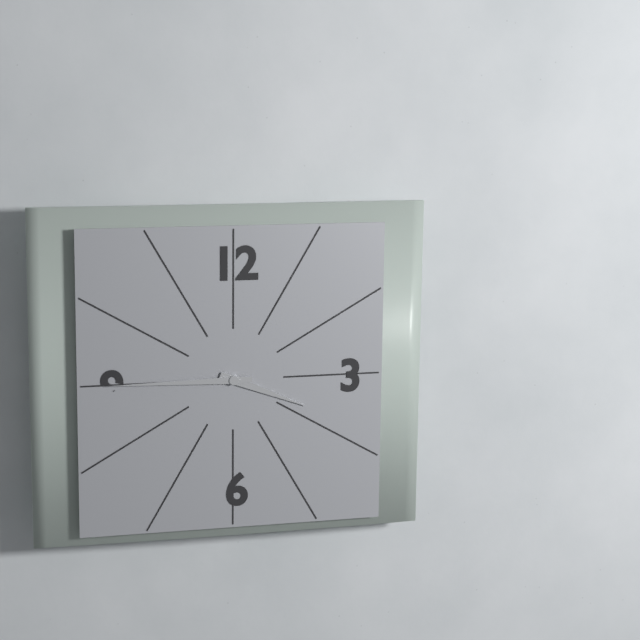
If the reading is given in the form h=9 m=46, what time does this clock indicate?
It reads h=3 m=45
